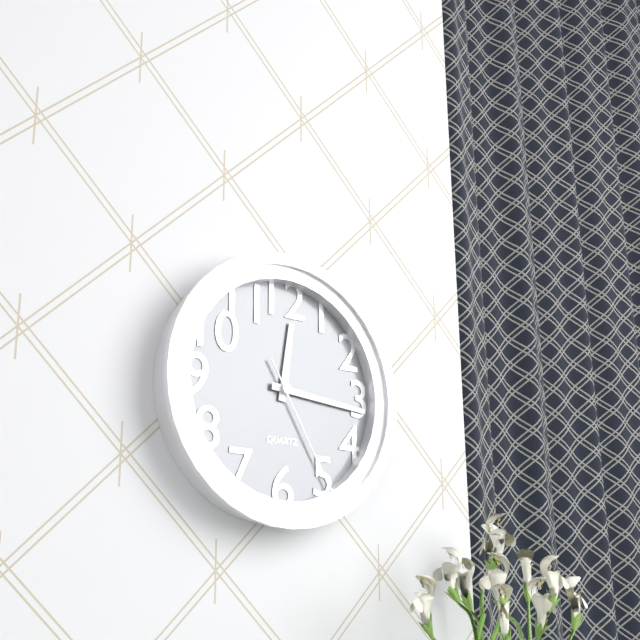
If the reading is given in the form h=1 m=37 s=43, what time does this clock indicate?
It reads h=12 m=16 s=25
